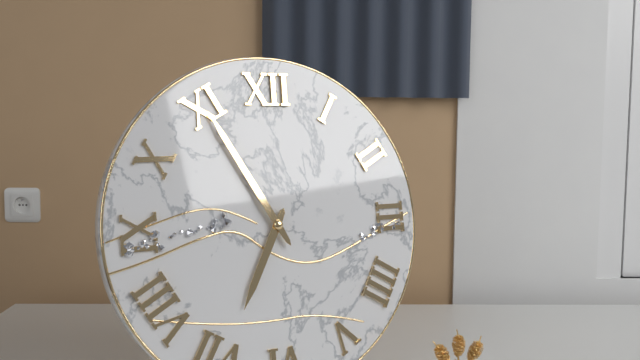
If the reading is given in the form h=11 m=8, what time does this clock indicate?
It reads h=6 m=55
